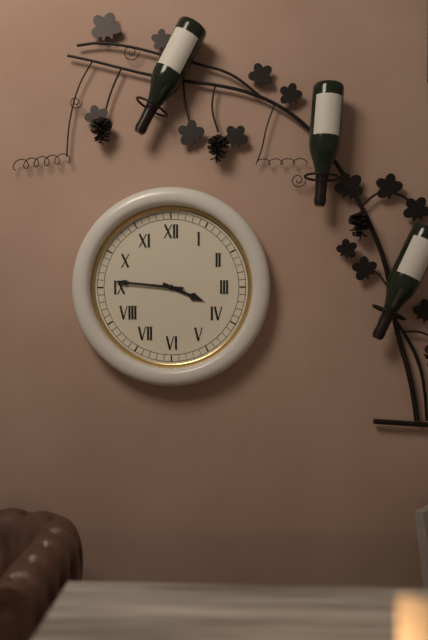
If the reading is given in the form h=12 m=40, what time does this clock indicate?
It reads h=3 m=46
